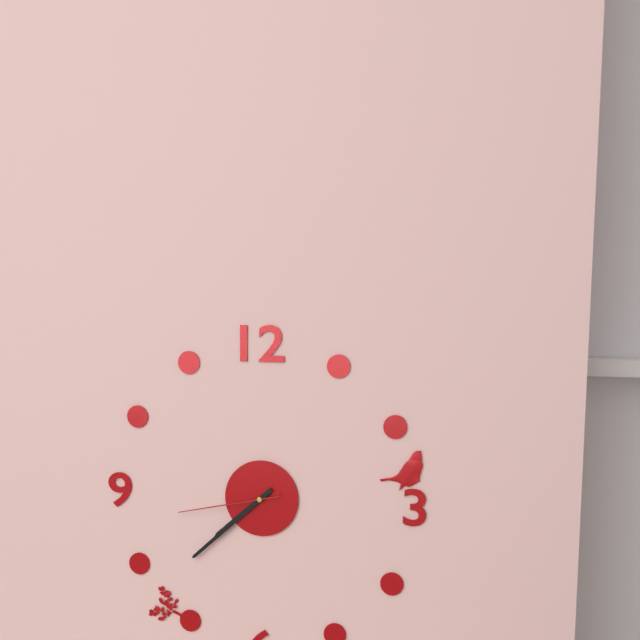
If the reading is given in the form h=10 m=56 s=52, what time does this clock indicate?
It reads h=7 m=38 s=43
